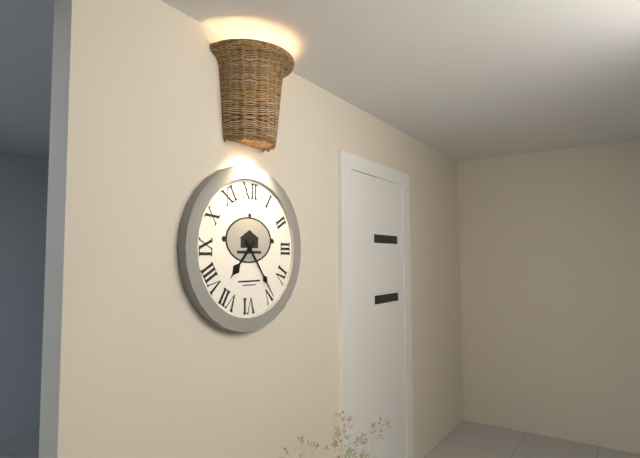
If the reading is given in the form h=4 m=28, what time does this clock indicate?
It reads h=7 m=24
